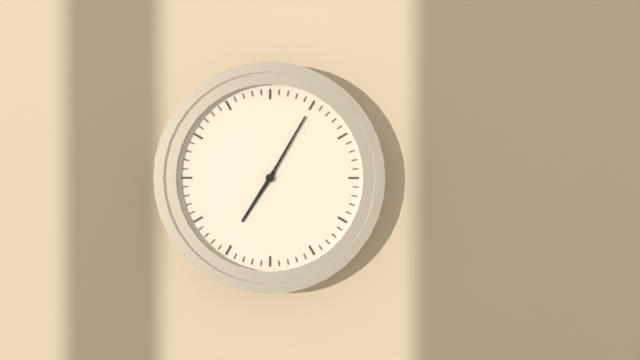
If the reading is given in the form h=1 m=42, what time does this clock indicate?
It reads h=7 m=5
